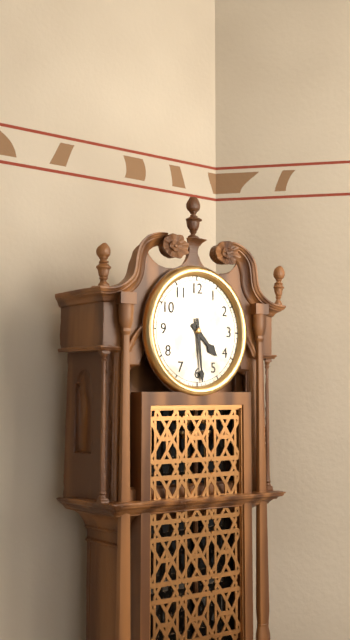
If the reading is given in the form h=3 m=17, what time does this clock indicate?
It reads h=4 m=29
